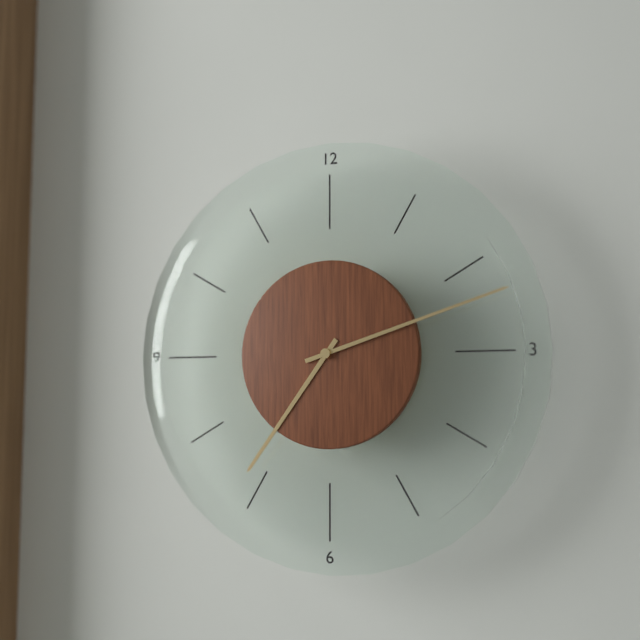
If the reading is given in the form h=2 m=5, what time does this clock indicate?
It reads h=7 m=12
